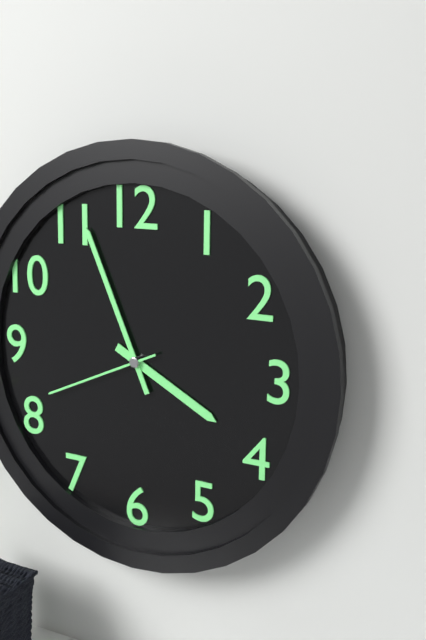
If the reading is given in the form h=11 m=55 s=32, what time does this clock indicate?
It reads h=3 m=56 s=41
